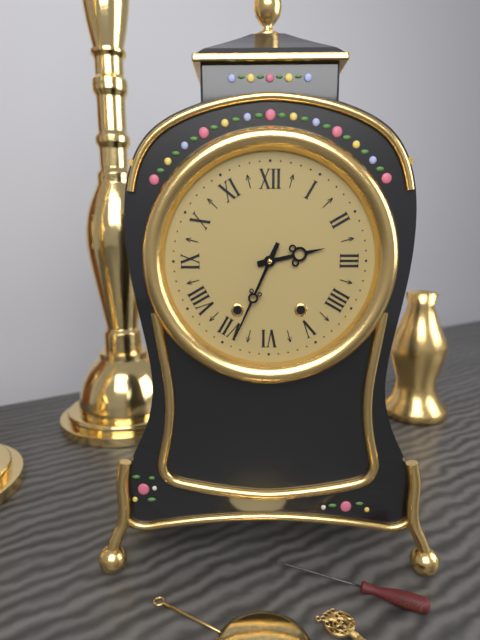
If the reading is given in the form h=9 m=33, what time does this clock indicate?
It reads h=2 m=34
